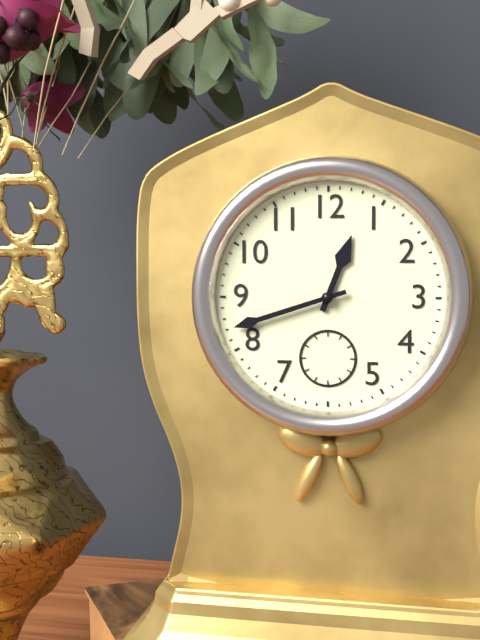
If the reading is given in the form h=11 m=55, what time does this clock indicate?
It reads h=12 m=42
